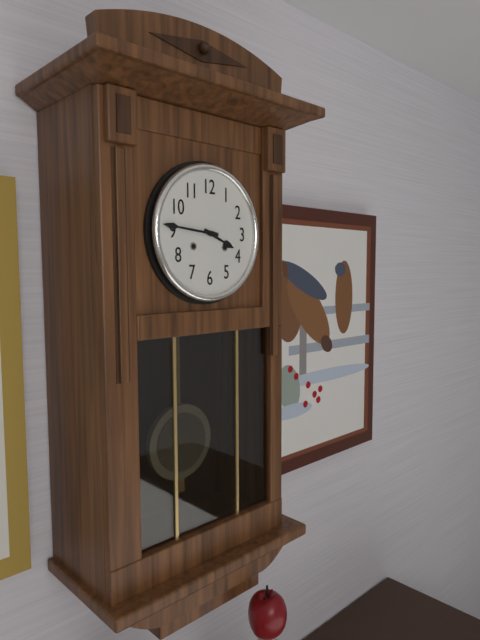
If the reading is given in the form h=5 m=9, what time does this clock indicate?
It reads h=3 m=46
